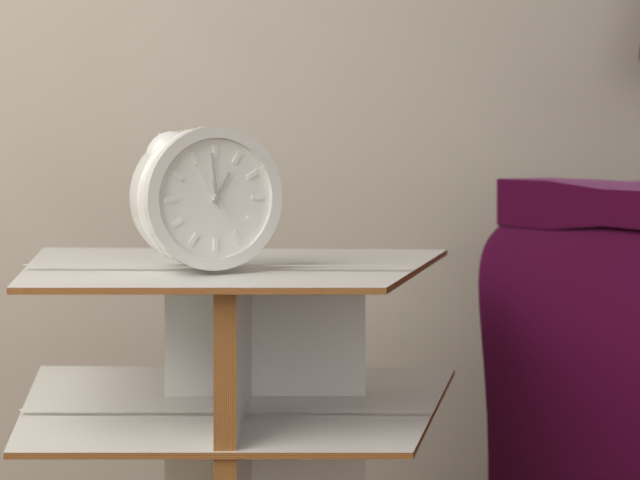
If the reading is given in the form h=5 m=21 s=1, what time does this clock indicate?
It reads h=12 m=59 s=55
